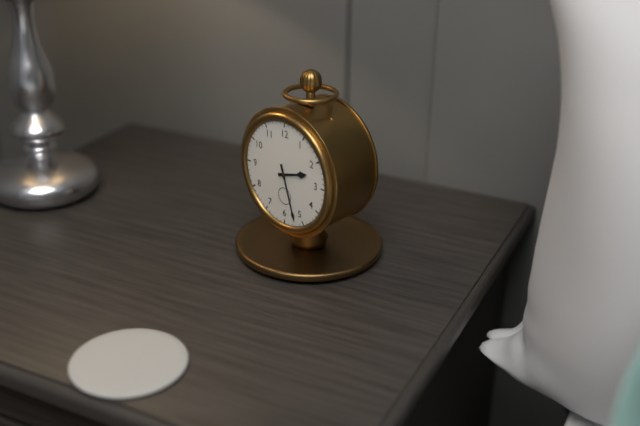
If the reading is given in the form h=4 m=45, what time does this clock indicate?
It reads h=2 m=27
